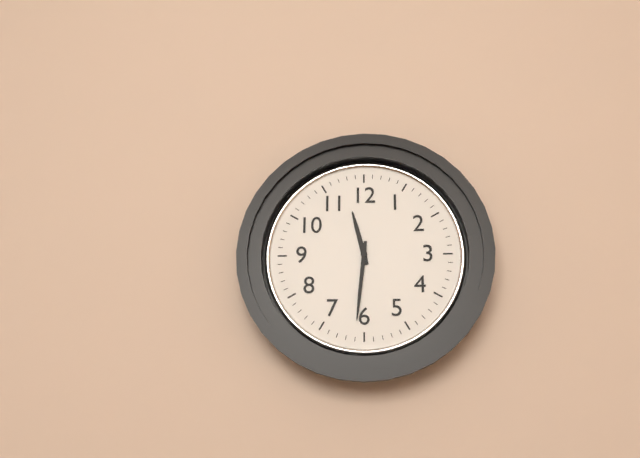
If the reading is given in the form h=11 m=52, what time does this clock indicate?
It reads h=11 m=31
